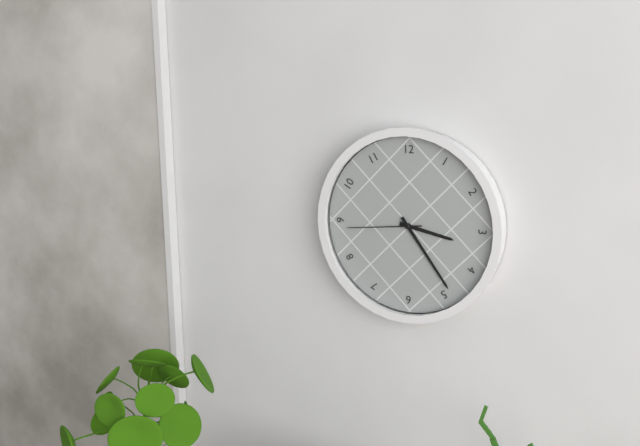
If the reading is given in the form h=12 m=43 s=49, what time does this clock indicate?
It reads h=3 m=24 s=44
